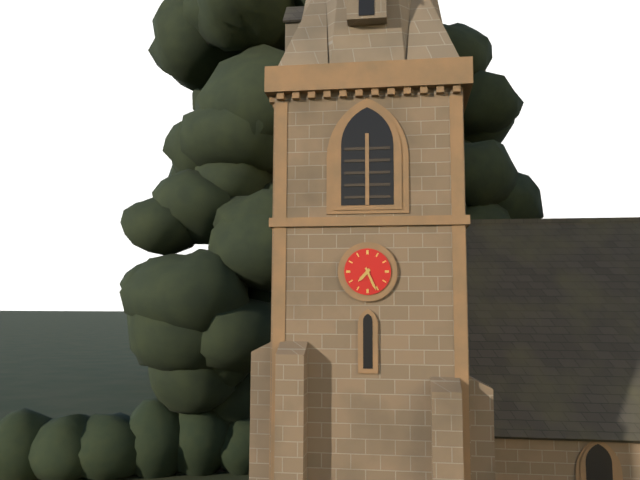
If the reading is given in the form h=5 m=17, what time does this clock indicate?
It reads h=7 m=26
